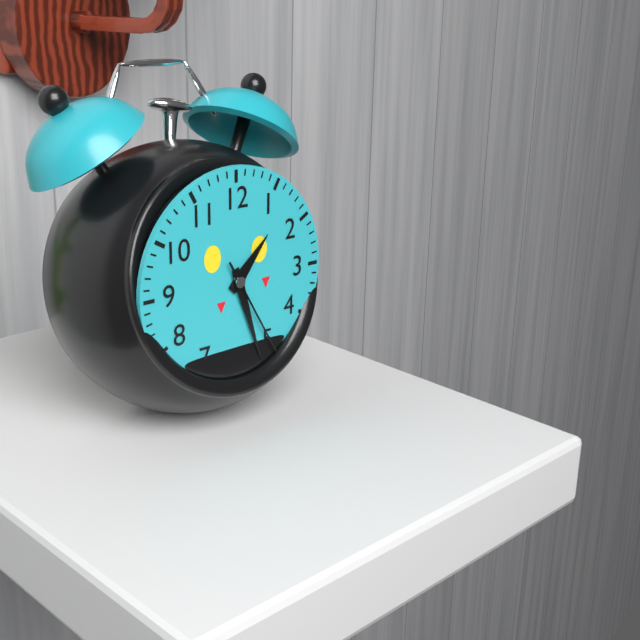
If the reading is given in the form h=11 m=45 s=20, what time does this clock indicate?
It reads h=1 m=27 s=25
